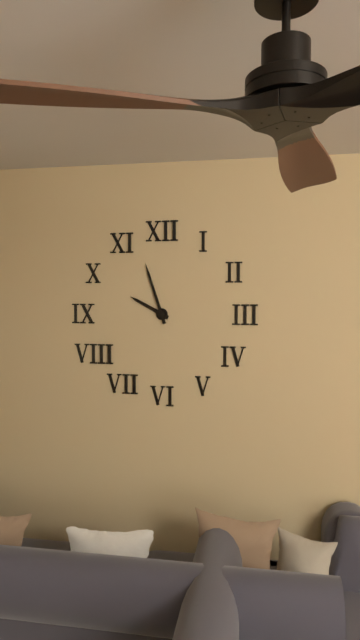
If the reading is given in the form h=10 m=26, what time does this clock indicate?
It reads h=9 m=57
